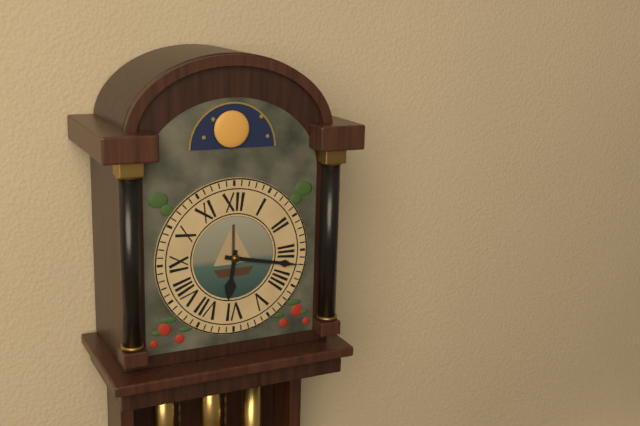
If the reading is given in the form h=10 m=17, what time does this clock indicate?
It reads h=6 m=17
